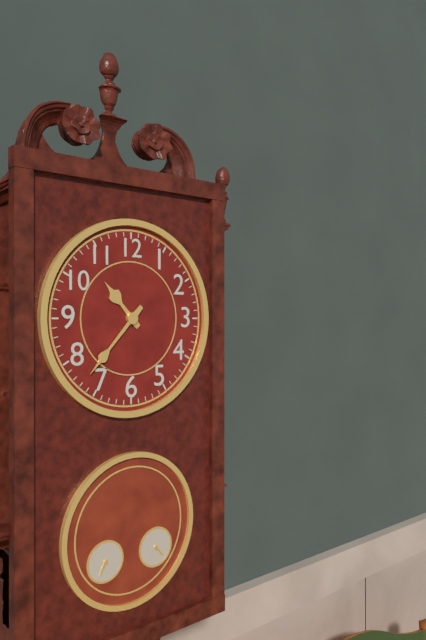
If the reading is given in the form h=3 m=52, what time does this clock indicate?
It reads h=10 m=37
